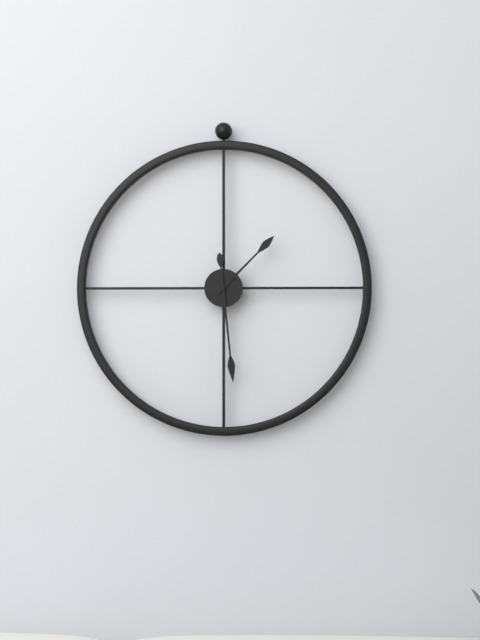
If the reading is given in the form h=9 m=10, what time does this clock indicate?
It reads h=1 m=29
